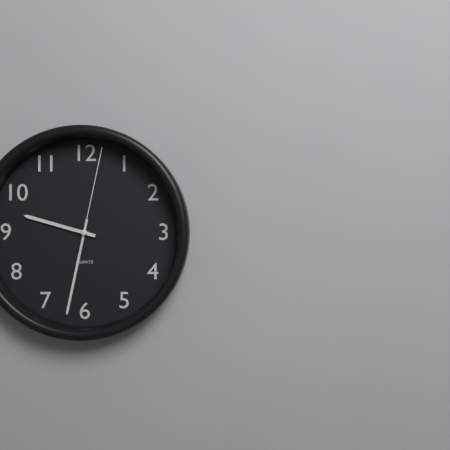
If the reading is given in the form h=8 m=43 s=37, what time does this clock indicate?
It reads h=9 m=32 s=2
